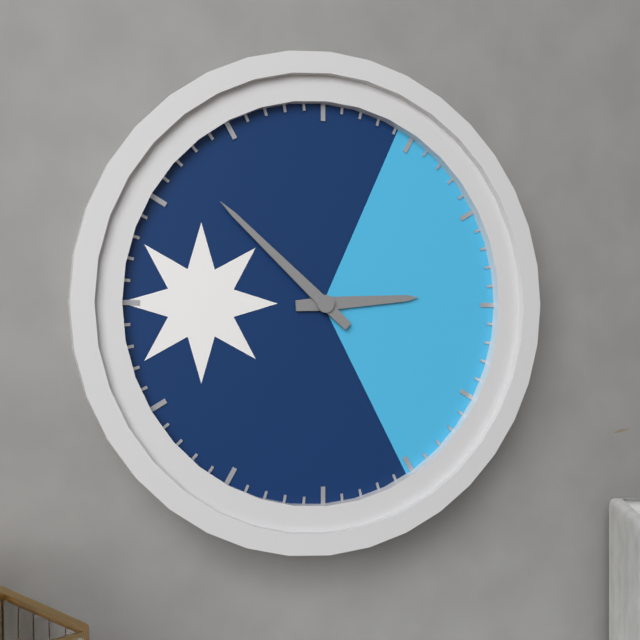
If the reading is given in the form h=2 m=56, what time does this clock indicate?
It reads h=2 m=52
